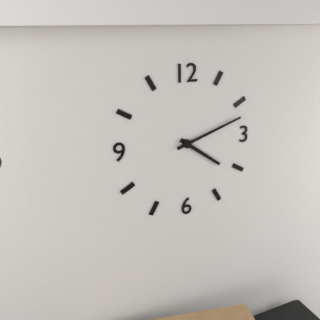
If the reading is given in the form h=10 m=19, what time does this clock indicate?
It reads h=4 m=12
